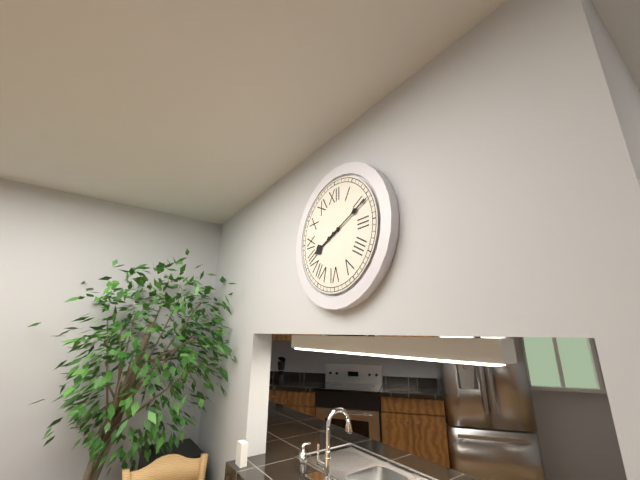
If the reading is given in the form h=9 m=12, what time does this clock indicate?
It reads h=8 m=11
